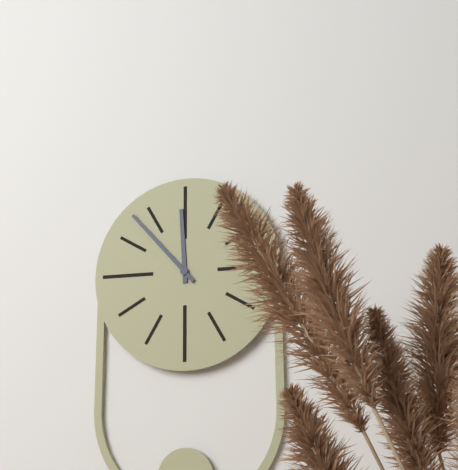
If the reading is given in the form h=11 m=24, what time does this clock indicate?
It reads h=11 m=53
